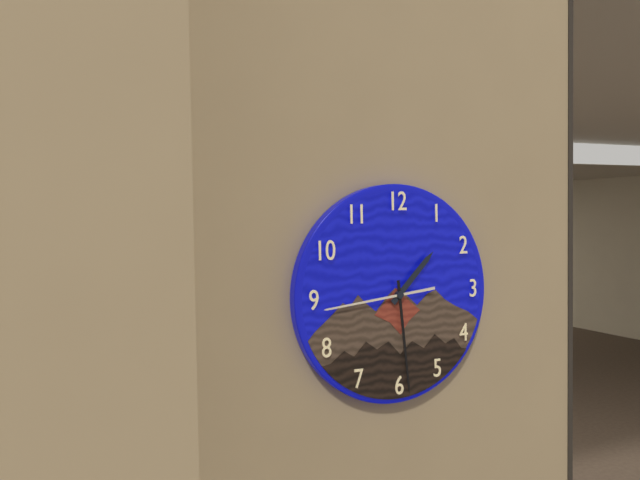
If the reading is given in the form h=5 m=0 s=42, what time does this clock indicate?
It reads h=1 m=29 s=44
